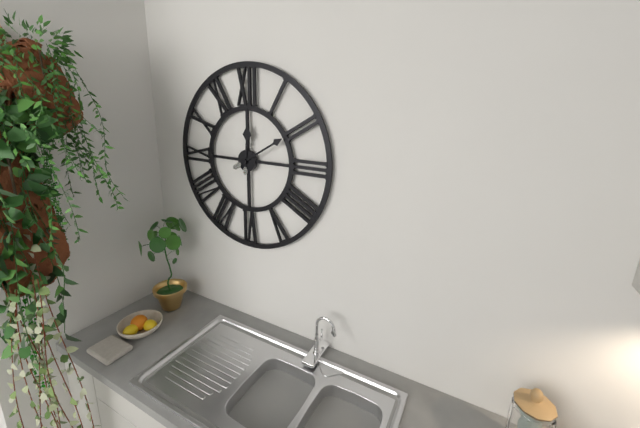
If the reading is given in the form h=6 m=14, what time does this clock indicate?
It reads h=12 m=10
